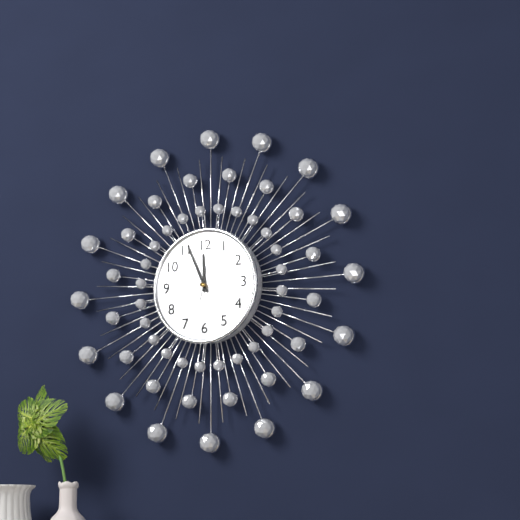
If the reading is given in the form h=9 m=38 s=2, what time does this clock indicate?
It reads h=11 m=56 s=2
